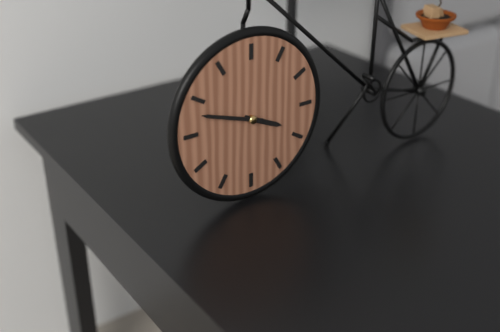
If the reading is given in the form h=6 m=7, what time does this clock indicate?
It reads h=3 m=48
